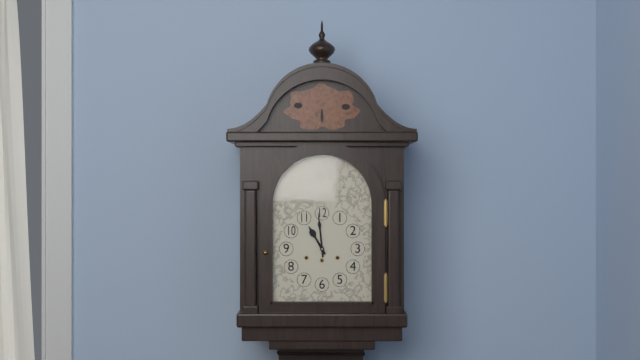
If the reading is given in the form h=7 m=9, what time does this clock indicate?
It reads h=10 m=59
